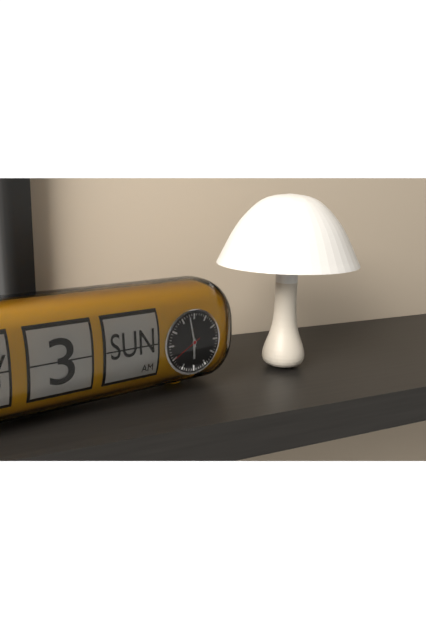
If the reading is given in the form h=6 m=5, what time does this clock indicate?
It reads h=5 m=58
